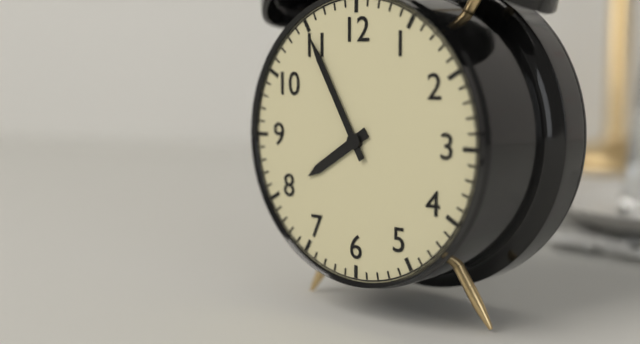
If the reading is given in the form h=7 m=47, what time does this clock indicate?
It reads h=7 m=55
